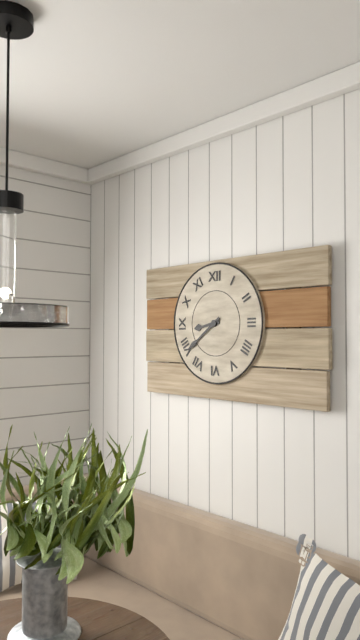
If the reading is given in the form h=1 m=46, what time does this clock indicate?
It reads h=8 m=39
